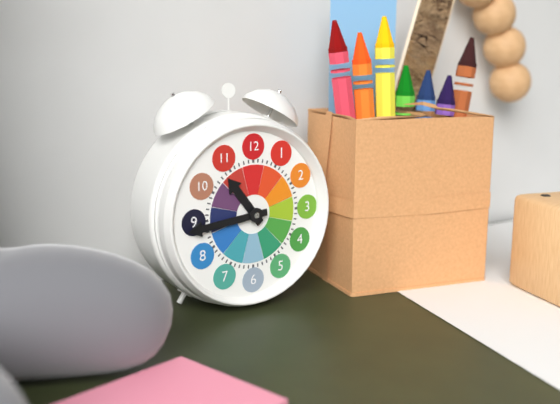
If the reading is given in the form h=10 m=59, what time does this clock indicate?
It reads h=10 m=44
